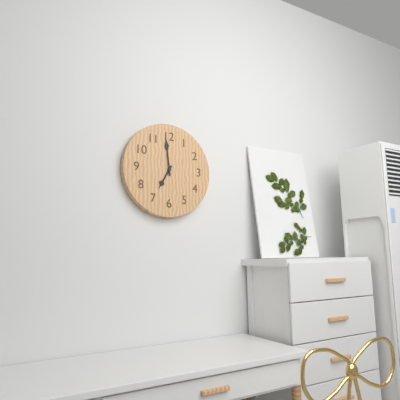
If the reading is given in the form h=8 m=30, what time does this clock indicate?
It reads h=6 m=59
